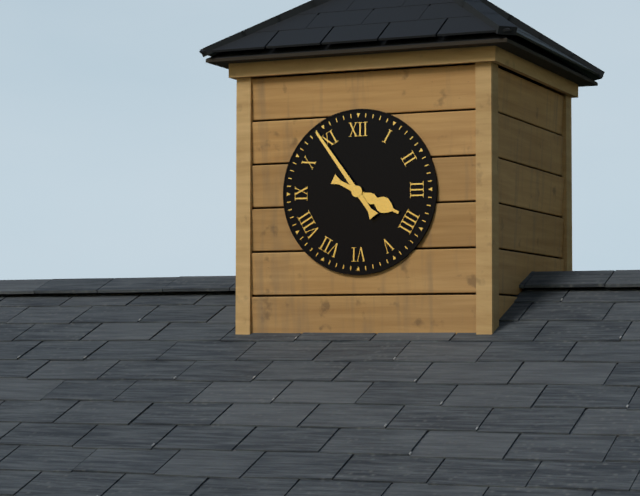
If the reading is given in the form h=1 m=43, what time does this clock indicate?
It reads h=3 m=54
